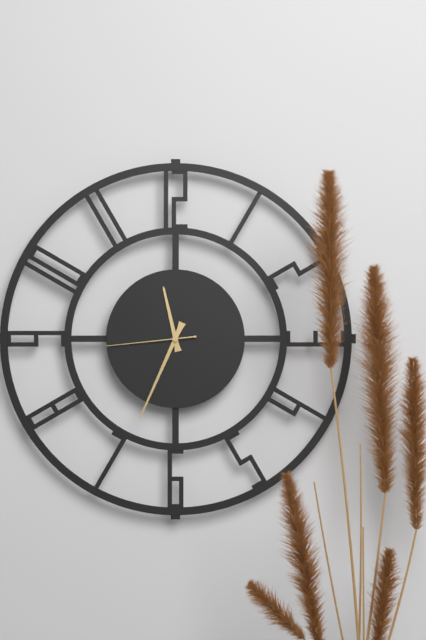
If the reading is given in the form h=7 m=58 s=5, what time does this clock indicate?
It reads h=11 m=34 s=44
